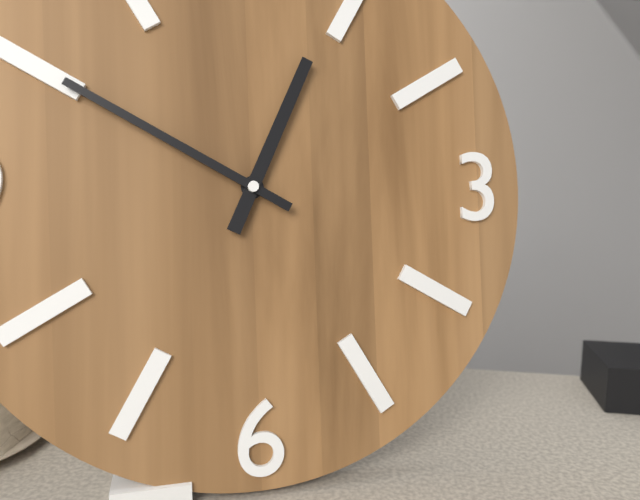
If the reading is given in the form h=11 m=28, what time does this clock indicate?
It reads h=12 m=50
